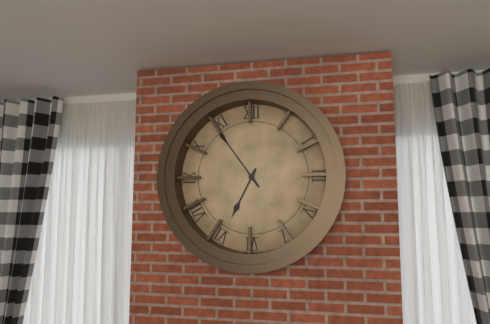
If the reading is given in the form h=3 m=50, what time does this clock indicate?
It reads h=6 m=54
